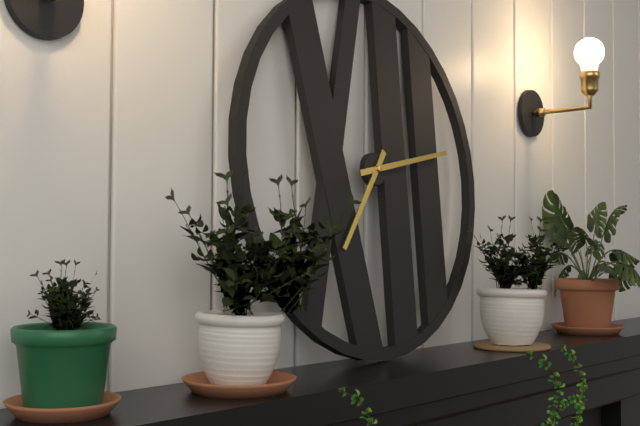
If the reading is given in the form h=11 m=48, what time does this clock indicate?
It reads h=7 m=13
